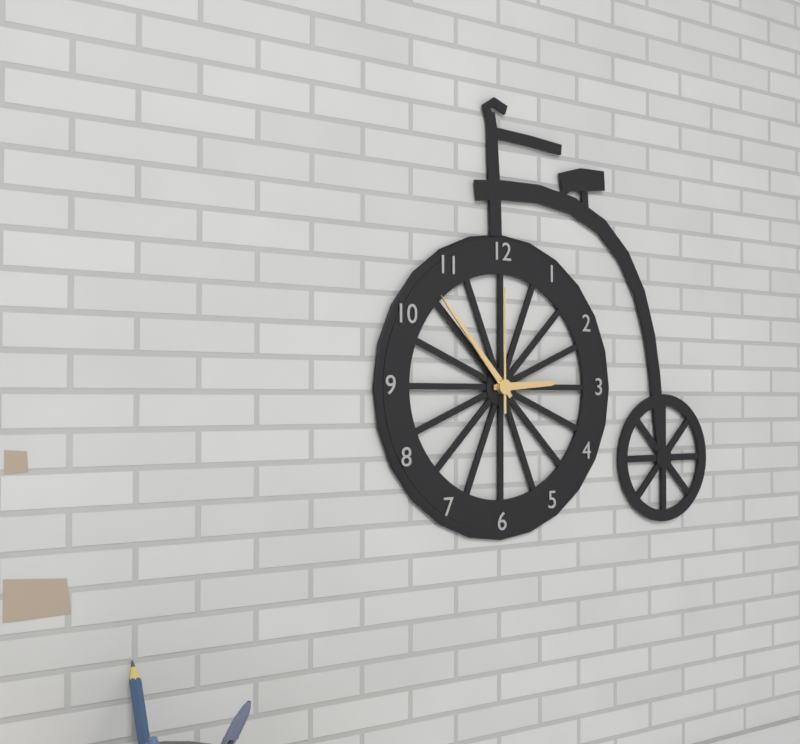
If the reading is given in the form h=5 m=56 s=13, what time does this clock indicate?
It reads h=2 m=53 s=0
